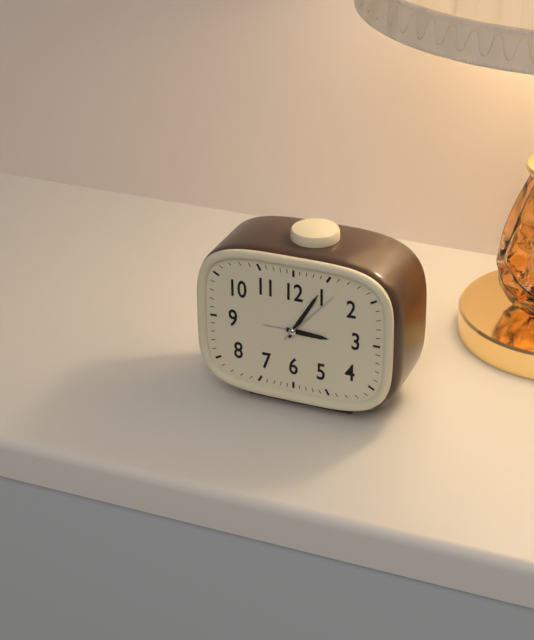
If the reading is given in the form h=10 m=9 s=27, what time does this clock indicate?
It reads h=3 m=5 s=7
